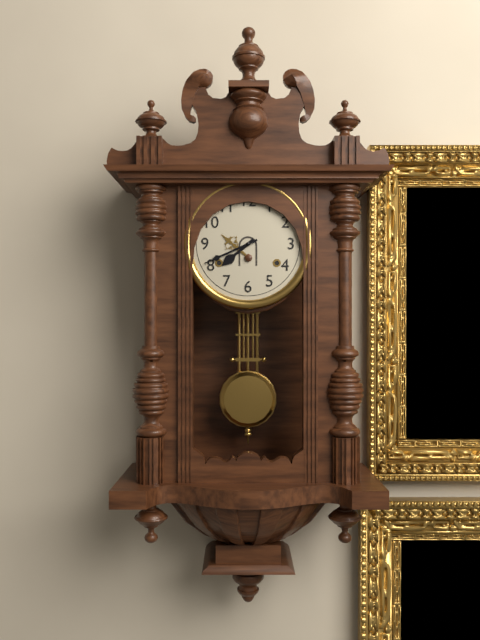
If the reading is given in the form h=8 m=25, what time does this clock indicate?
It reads h=7 m=41
